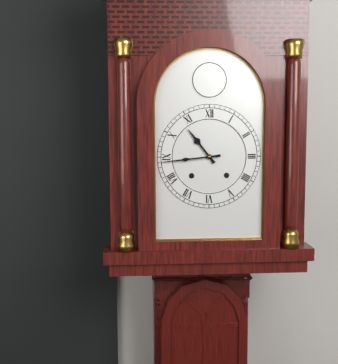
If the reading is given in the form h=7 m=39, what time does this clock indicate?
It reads h=10 m=44
